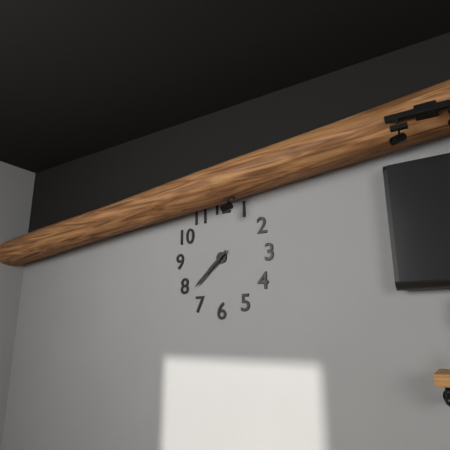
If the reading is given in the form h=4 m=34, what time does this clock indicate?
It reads h=7 m=38
